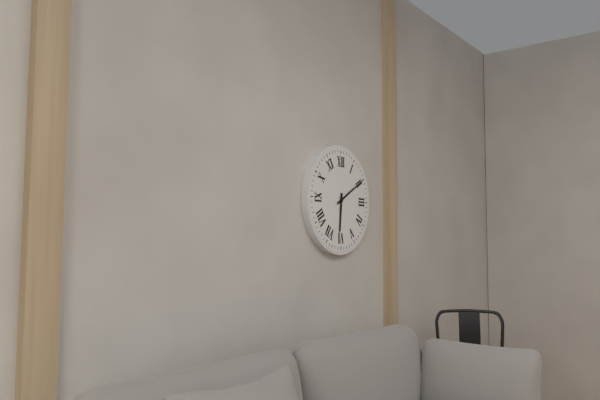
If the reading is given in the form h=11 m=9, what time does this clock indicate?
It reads h=6 m=10
